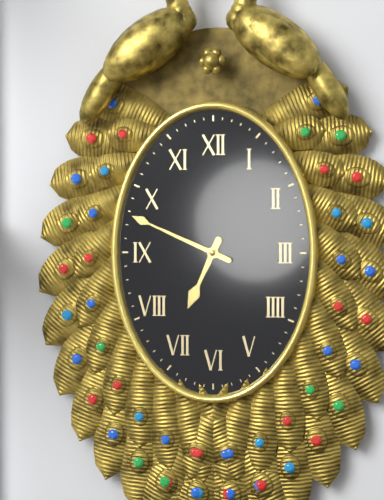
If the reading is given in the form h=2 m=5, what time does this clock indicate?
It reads h=6 m=49
